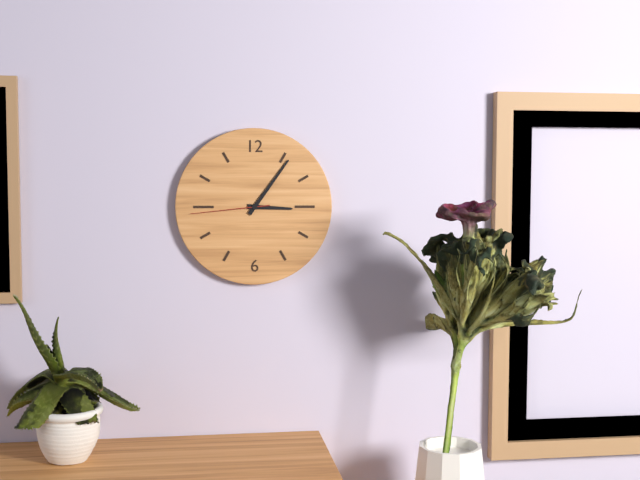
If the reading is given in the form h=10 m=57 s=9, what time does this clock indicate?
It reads h=3 m=6 s=44
